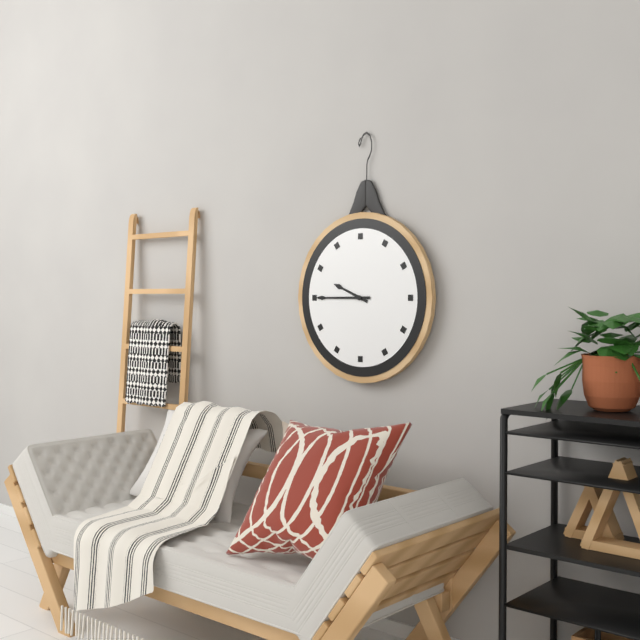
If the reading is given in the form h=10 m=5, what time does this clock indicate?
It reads h=9 m=45
